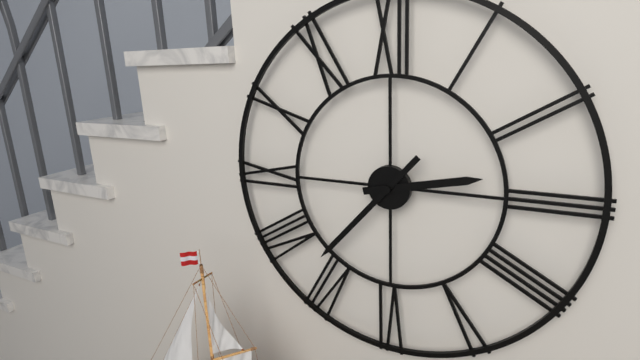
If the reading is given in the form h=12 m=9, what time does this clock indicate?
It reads h=2 m=37
